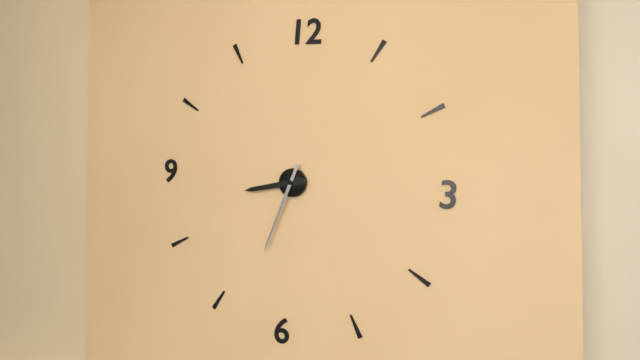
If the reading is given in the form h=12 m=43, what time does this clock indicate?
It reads h=8 m=33
